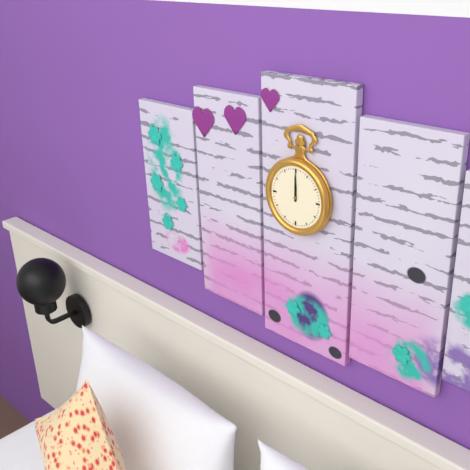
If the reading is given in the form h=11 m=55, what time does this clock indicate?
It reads h=12 m=0
